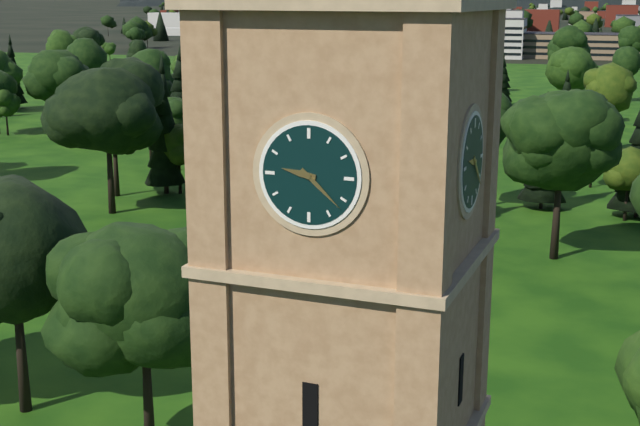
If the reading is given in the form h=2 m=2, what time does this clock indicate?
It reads h=9 m=22
